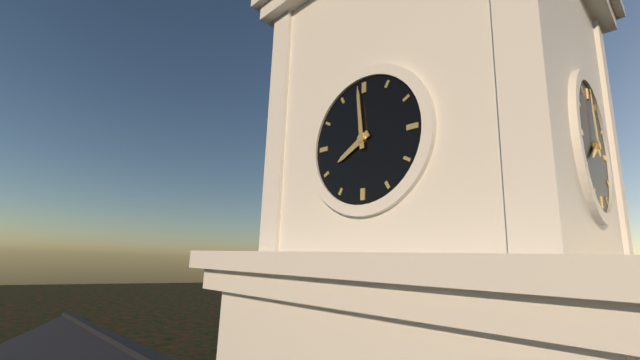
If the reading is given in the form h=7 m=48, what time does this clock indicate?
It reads h=7 m=59
